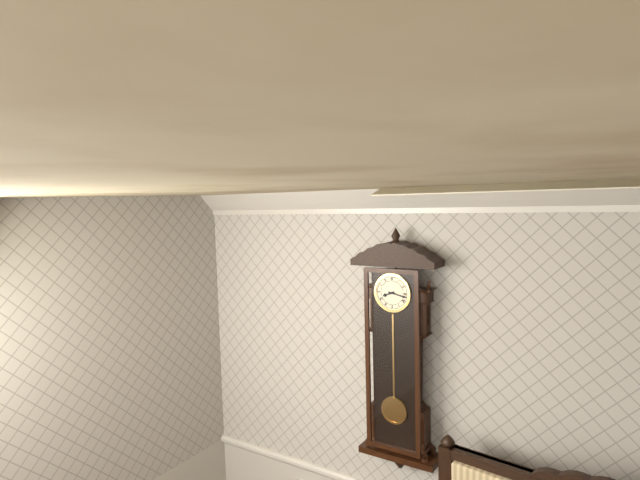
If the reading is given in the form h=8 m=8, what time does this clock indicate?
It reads h=8 m=17
